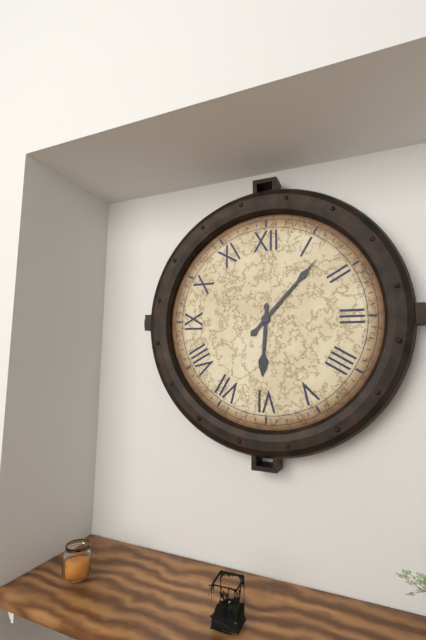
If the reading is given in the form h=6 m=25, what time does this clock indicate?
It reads h=6 m=7
